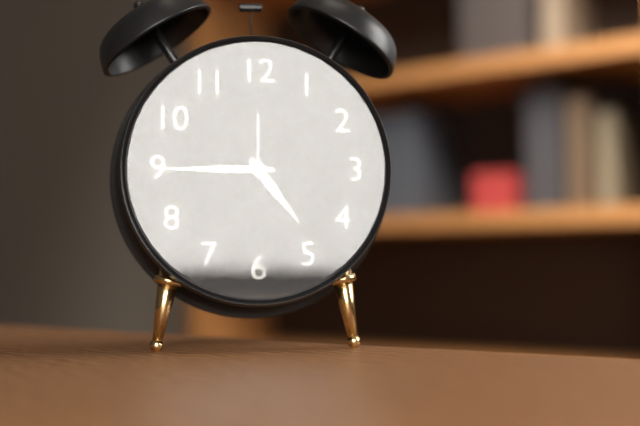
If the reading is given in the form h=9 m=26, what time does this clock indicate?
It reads h=4 m=45
